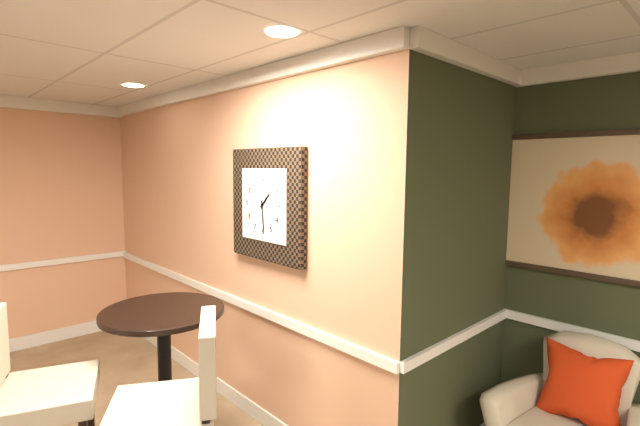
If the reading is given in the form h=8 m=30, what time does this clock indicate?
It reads h=1 m=29
